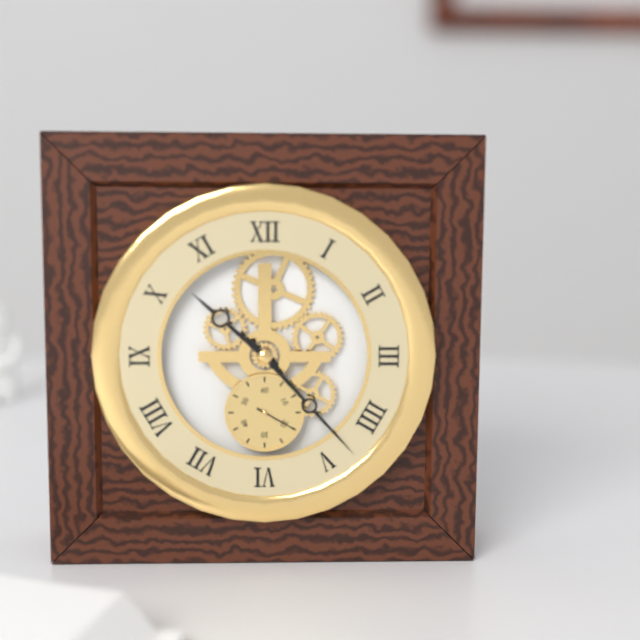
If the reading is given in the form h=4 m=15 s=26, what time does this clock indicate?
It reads h=10 m=23 s=20
